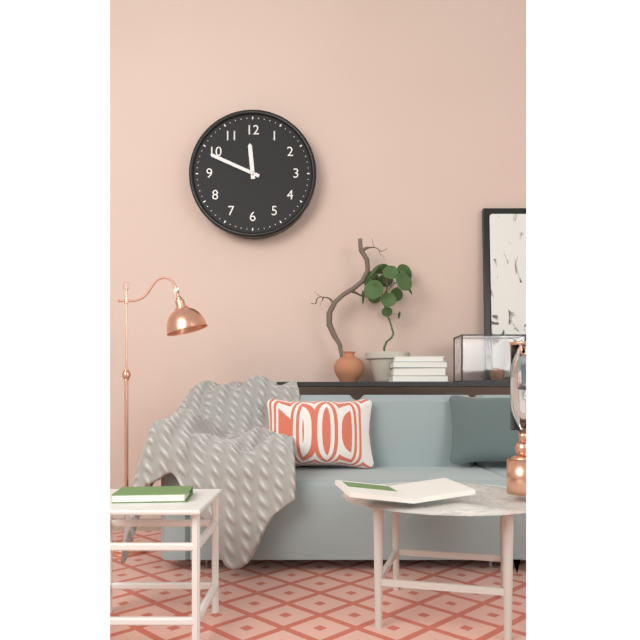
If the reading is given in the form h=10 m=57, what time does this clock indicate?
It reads h=11 m=49
